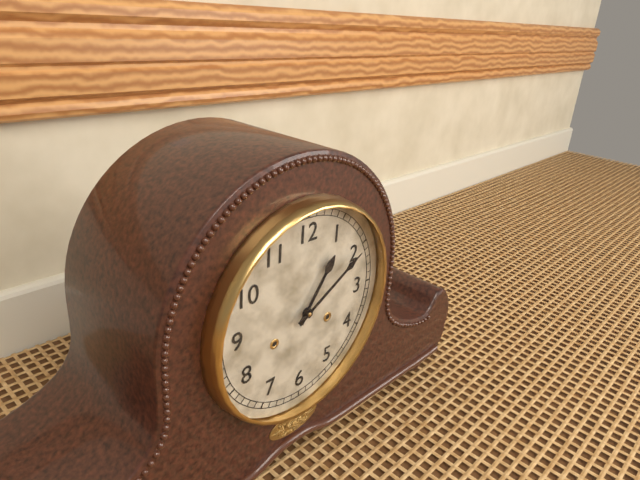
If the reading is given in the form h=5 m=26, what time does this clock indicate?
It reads h=1 m=10
